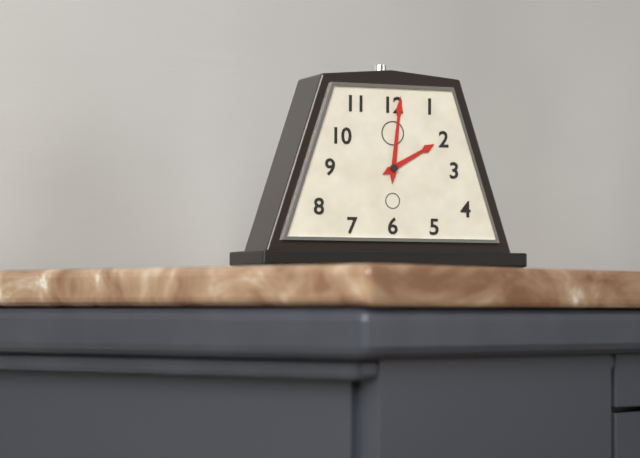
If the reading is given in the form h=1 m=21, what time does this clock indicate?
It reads h=2 m=1
